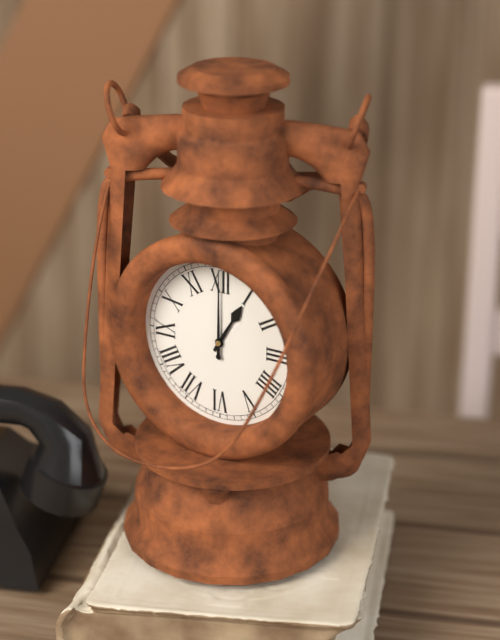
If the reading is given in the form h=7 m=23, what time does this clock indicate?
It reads h=1 m=0
